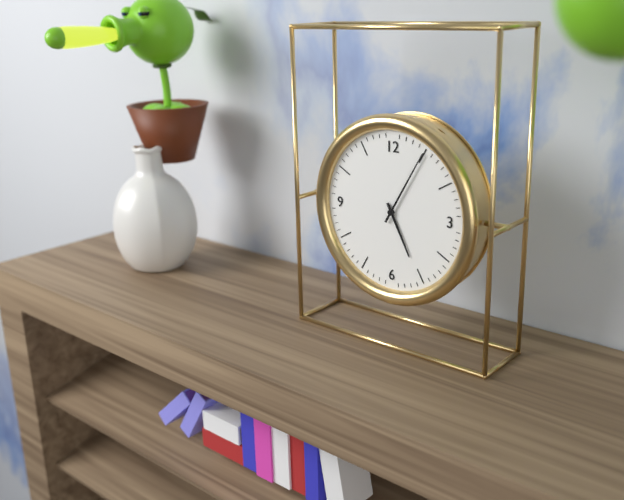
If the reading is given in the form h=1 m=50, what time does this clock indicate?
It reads h=5 m=5
